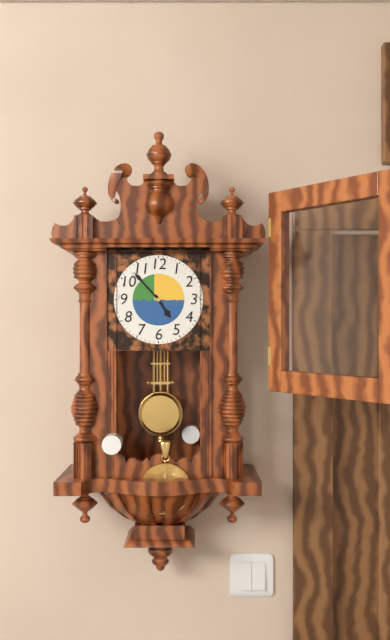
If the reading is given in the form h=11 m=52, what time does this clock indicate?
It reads h=4 m=53
